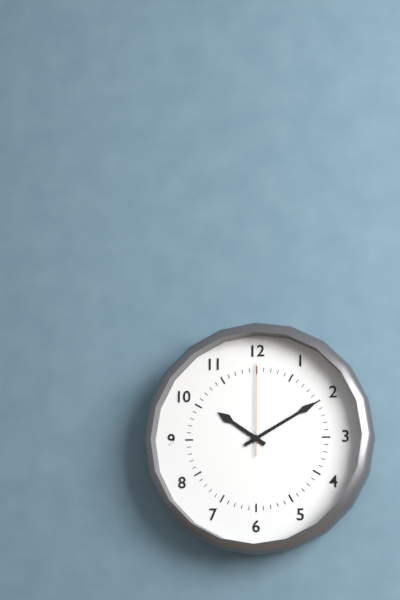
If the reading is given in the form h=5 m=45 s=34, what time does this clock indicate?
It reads h=10 m=10 s=0
